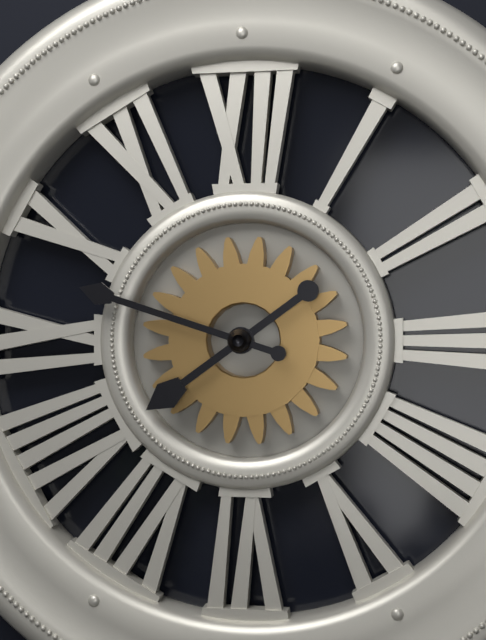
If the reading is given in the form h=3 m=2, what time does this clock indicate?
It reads h=7 m=48
